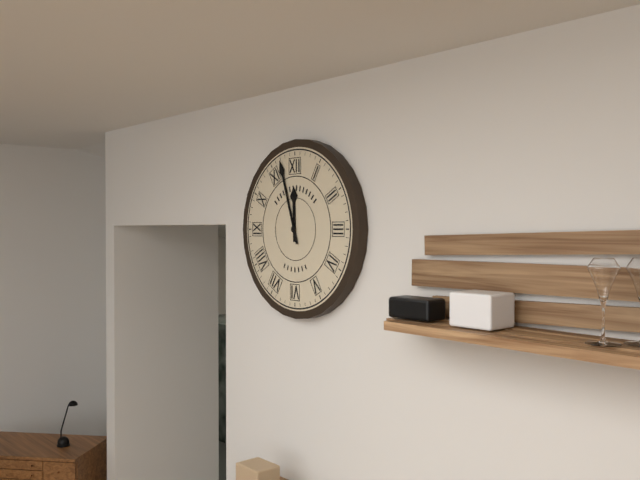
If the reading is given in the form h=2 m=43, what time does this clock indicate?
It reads h=11 m=57
